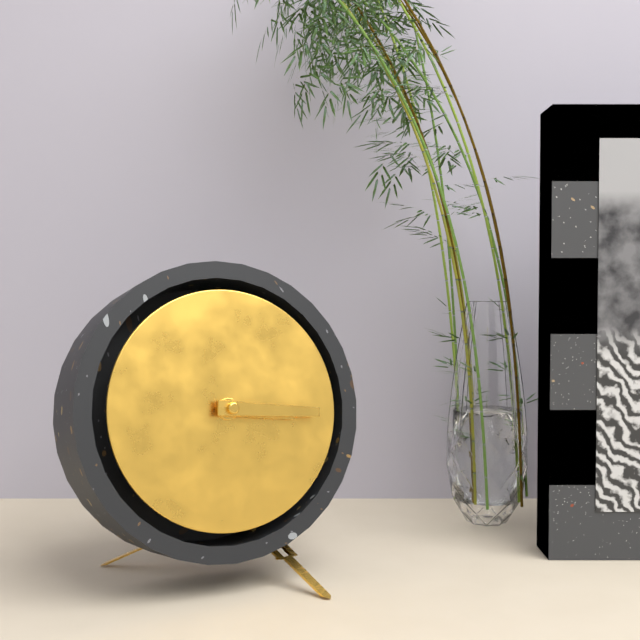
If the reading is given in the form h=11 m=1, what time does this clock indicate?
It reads h=3 m=16
